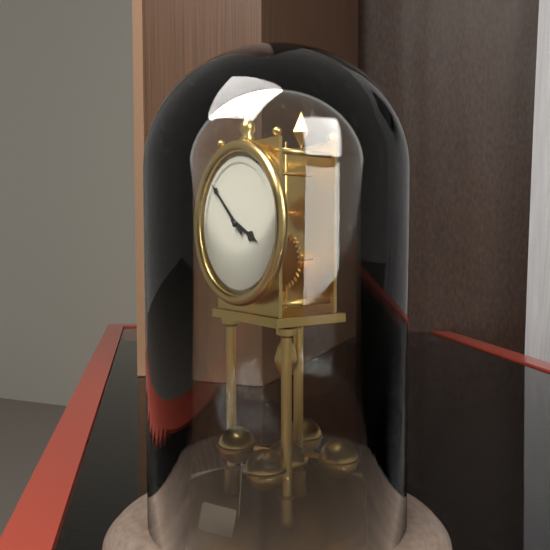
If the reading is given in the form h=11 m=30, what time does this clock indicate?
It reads h=3 m=52
